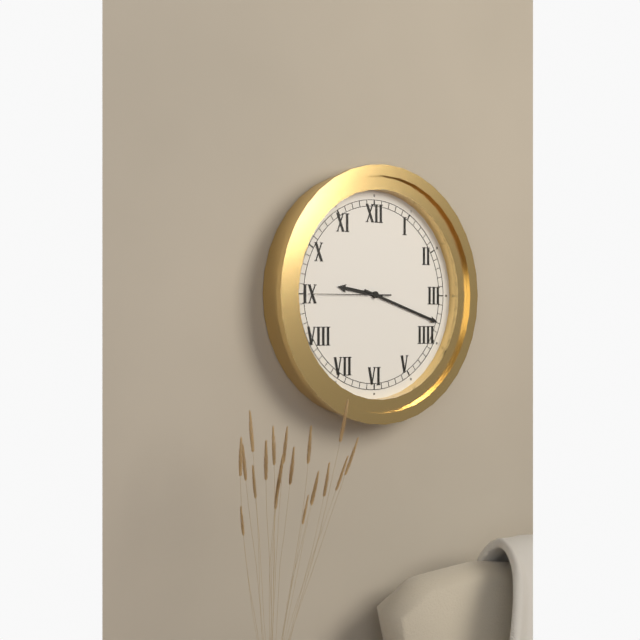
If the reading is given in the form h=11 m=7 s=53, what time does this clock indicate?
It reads h=9 m=18 s=45
